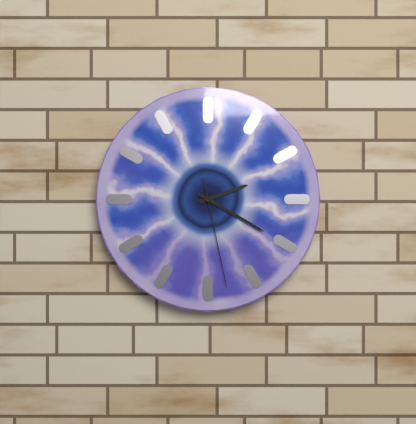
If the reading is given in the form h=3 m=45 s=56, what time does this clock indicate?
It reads h=2 m=20 s=28
